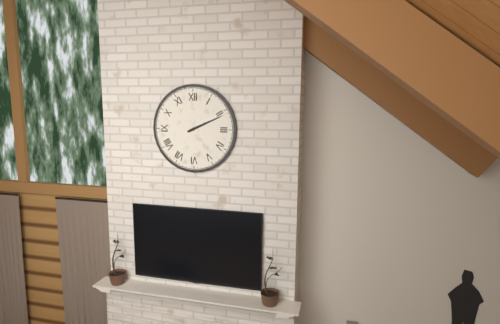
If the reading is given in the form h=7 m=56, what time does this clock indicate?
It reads h=2 m=11
